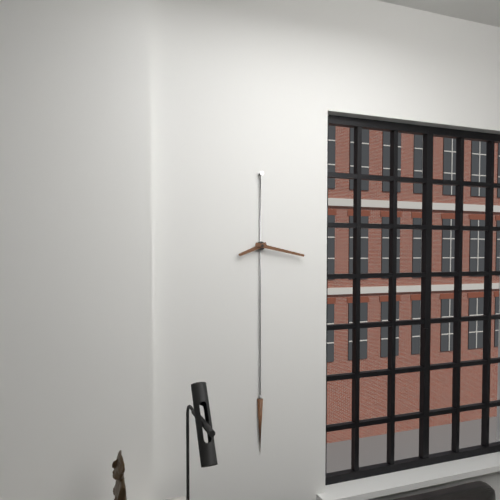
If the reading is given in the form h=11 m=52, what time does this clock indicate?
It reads h=8 m=17
